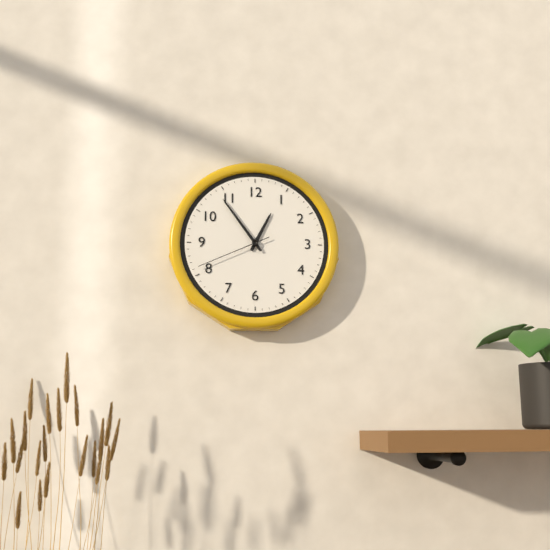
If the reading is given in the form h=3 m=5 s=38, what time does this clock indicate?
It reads h=12 m=54 s=41
